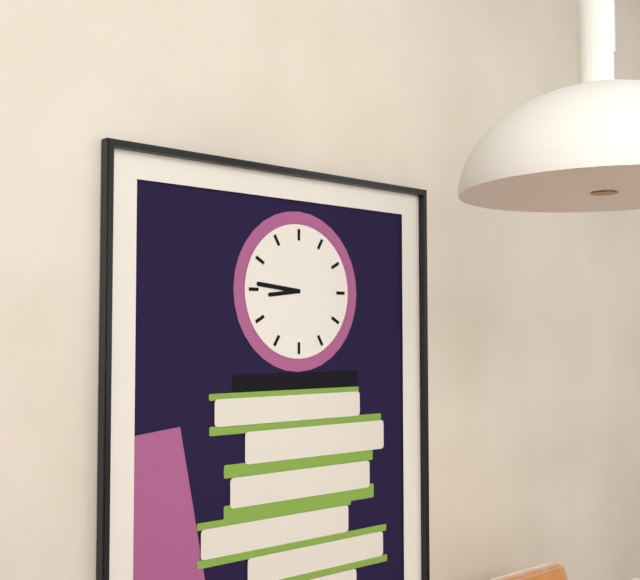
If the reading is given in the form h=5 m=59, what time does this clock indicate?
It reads h=8 m=46
